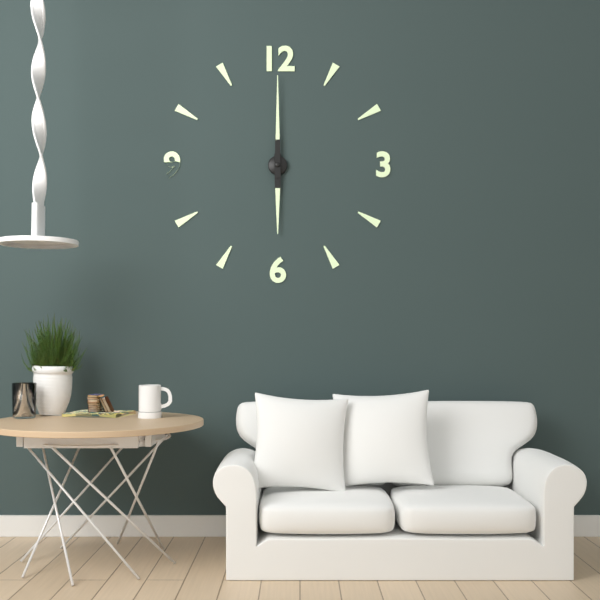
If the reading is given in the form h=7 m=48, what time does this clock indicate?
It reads h=6 m=0
